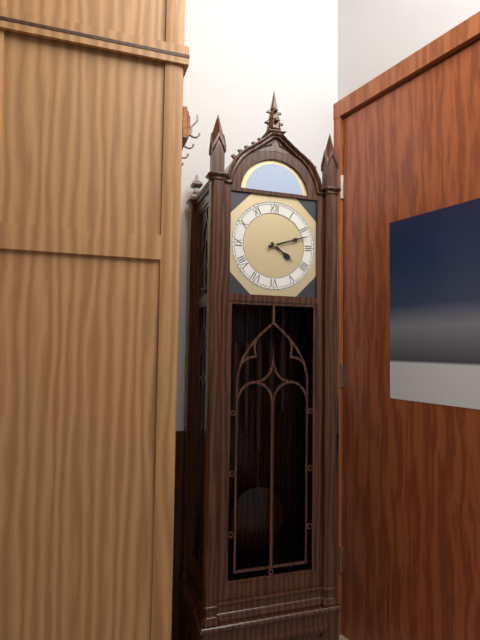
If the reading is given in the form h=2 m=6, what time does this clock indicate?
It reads h=4 m=12
